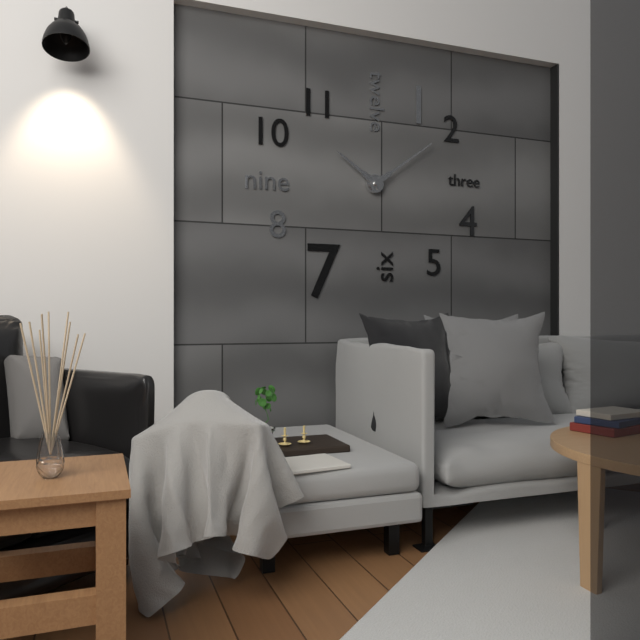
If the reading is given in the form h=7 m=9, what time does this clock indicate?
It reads h=10 m=9
